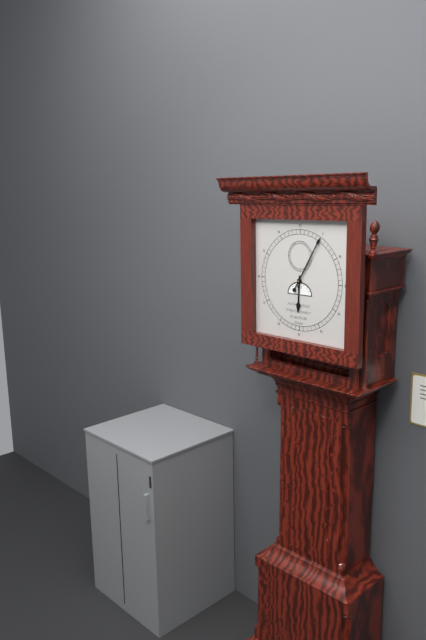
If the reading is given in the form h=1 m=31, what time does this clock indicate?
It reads h=6 m=5
